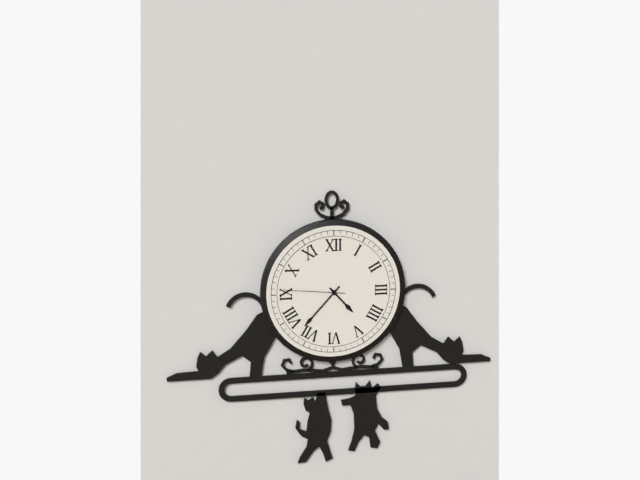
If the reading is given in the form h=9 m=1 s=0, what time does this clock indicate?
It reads h=4 m=37 s=46
